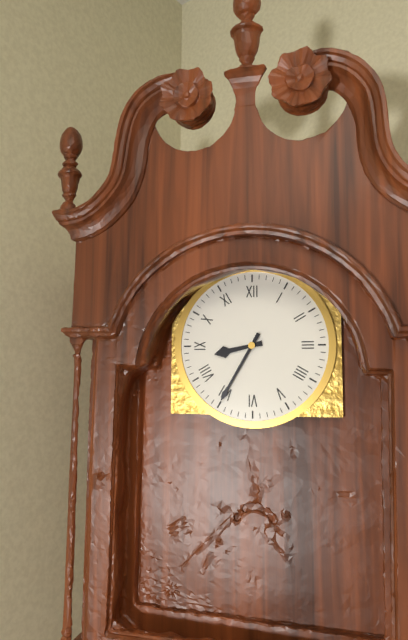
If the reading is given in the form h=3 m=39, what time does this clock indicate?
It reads h=8 m=35
